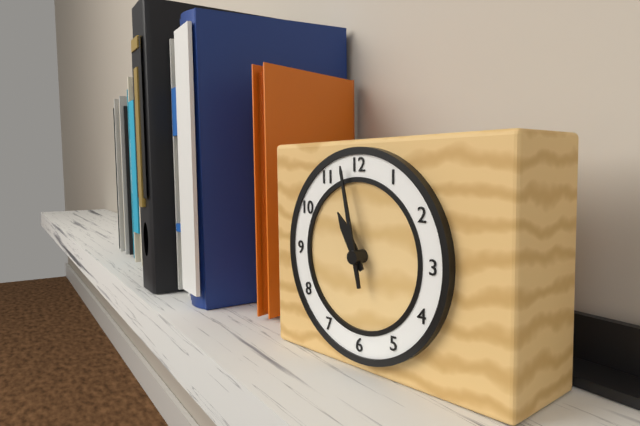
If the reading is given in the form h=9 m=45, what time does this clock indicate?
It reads h=10 m=58
